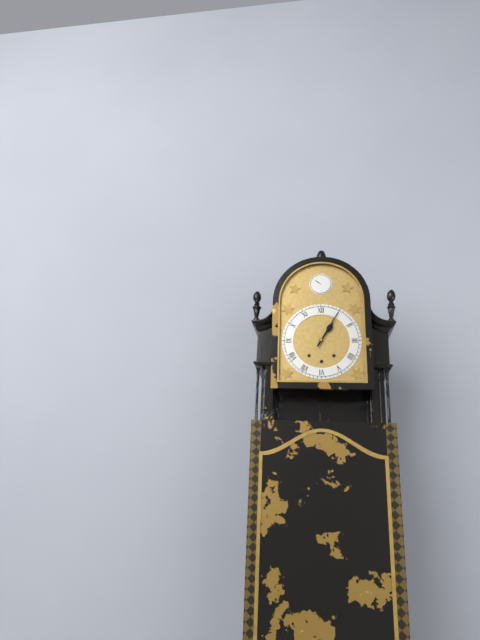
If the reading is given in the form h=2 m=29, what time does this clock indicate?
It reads h=1 m=5
